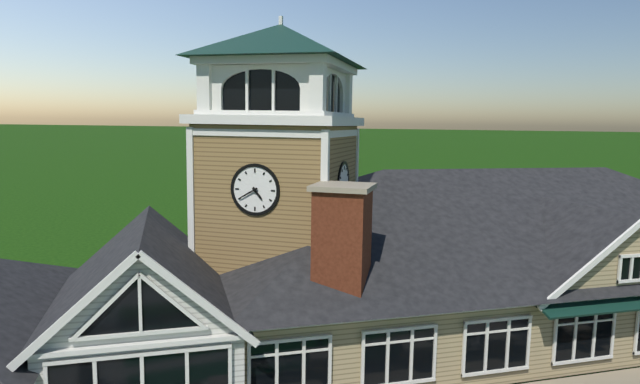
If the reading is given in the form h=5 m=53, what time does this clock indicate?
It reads h=4 m=40
